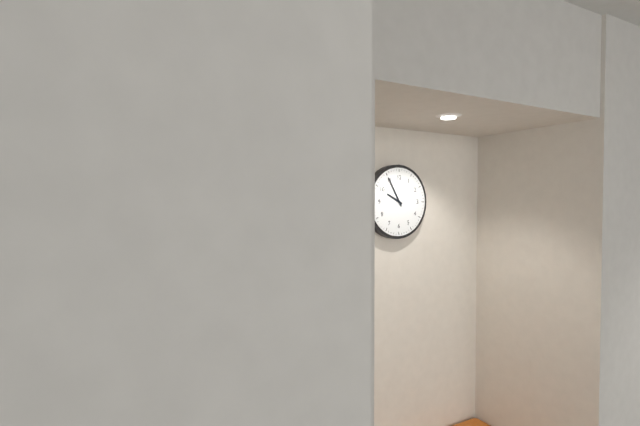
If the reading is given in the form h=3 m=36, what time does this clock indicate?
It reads h=9 m=55
